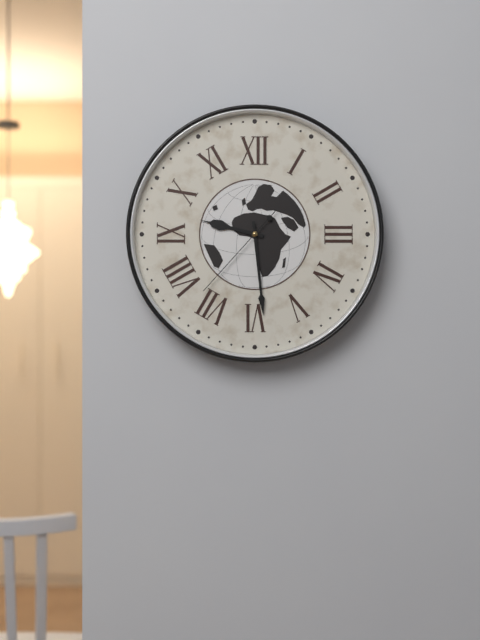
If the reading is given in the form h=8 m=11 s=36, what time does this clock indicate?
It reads h=9 m=29 s=37
